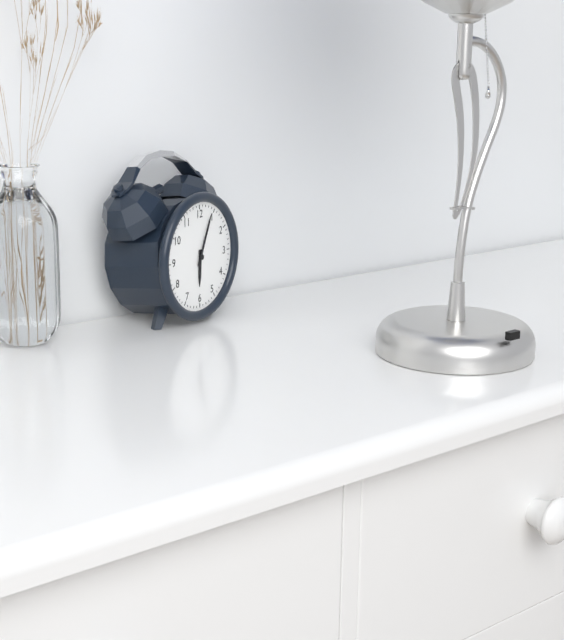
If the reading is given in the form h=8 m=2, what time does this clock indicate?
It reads h=6 m=4
